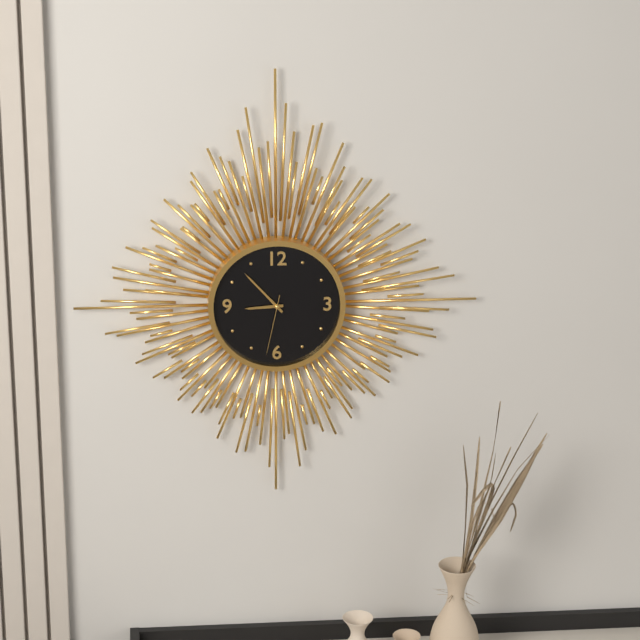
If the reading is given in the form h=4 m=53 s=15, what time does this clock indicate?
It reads h=8 m=53 s=32
